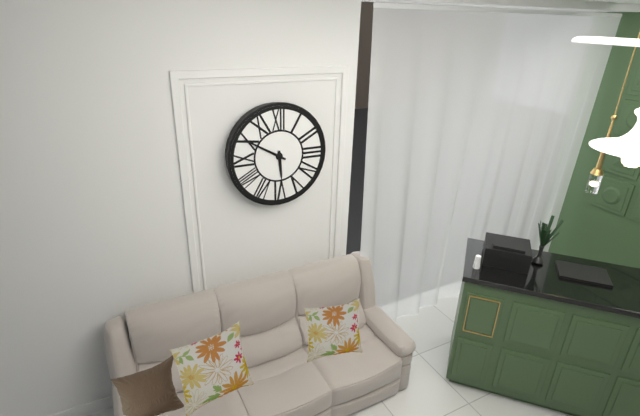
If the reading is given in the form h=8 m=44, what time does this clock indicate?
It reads h=5 m=50
